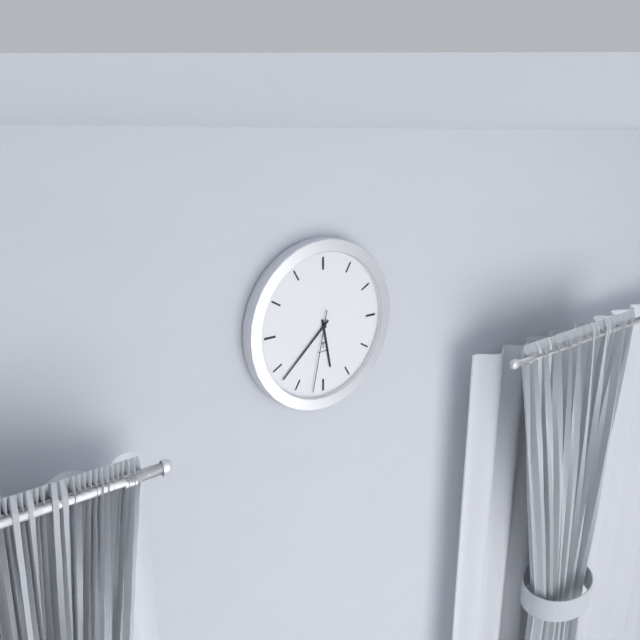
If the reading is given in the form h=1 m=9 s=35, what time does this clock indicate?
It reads h=5 m=38 s=32
